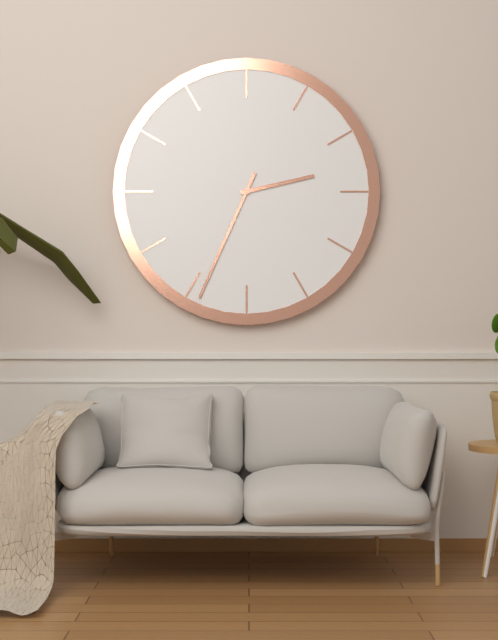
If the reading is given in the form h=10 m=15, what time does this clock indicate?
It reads h=2 m=34
